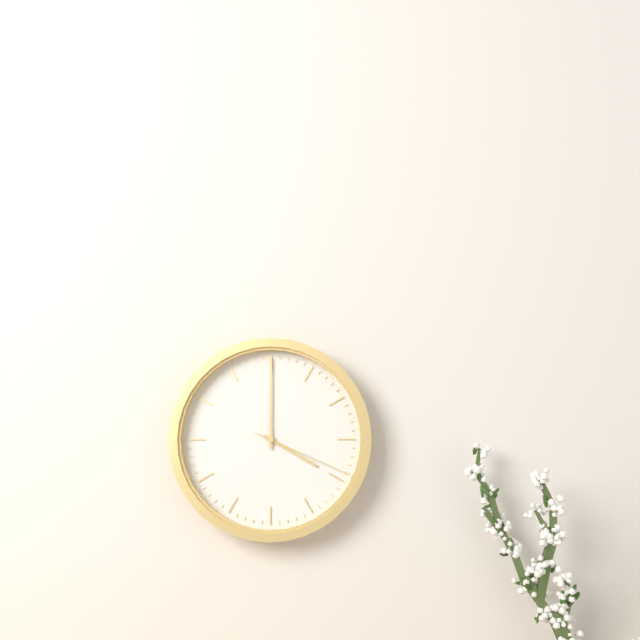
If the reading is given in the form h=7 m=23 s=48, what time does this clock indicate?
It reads h=4 m=0 s=19
